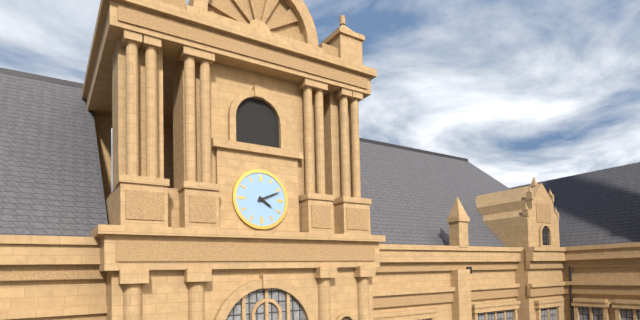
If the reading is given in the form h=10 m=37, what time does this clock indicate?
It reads h=4 m=11
